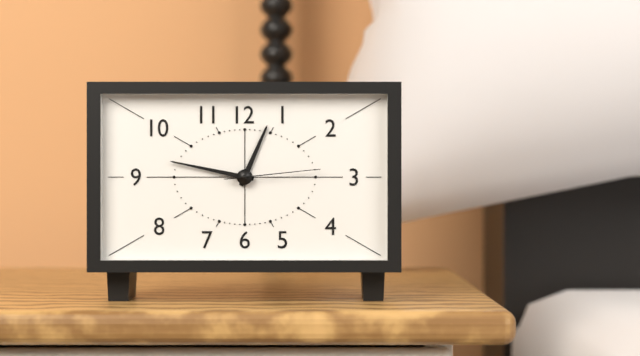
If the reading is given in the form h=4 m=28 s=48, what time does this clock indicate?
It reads h=12 m=47 s=14
